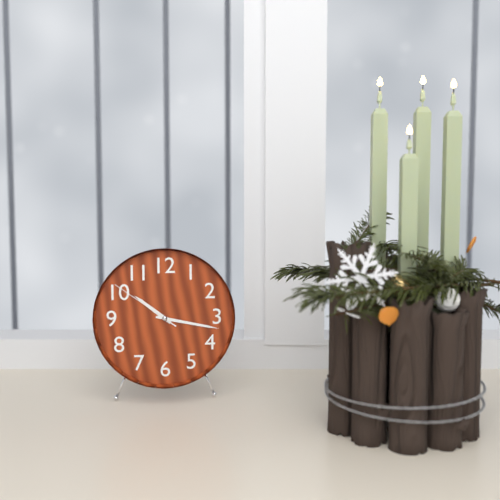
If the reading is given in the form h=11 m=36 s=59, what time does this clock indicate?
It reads h=10 m=17 s=51
